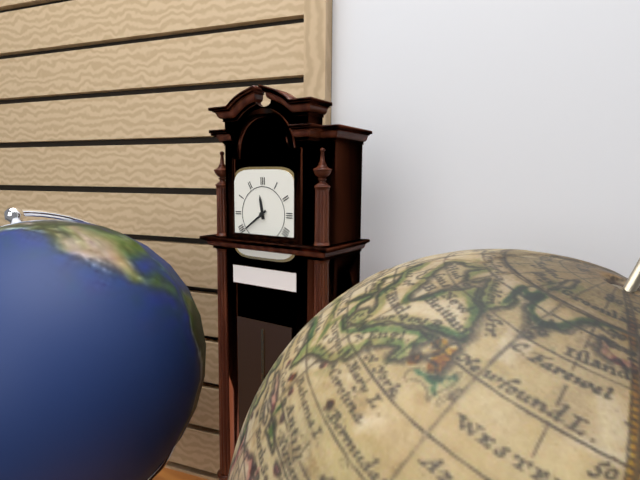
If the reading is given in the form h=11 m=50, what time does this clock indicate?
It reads h=11 m=39
